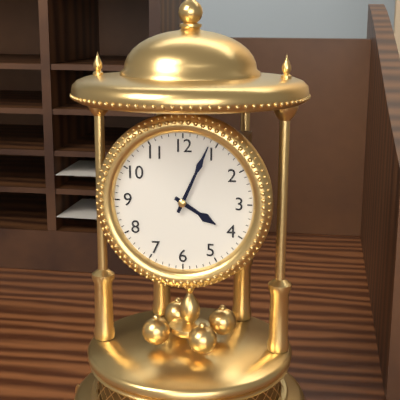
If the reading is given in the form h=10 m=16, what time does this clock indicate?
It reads h=4 m=4
